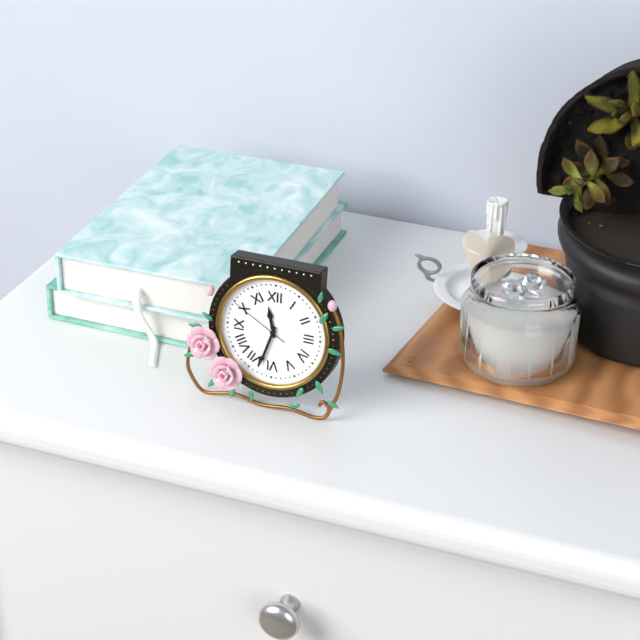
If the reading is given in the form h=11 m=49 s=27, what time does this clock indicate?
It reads h=11 m=33 s=50
